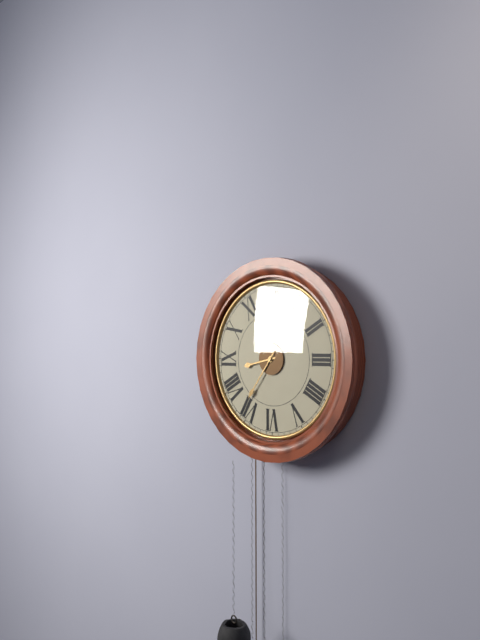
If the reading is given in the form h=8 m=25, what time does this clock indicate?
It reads h=8 m=36
